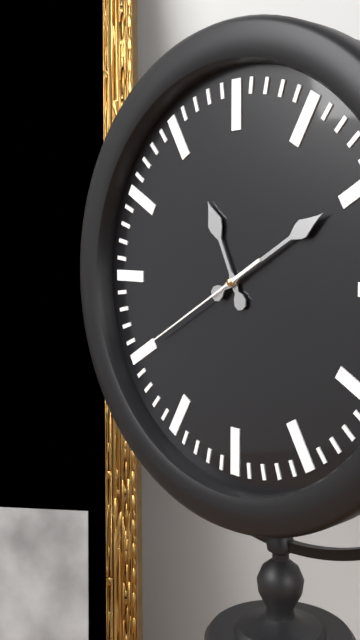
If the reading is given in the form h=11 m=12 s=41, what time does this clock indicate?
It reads h=11 m=10 s=40
